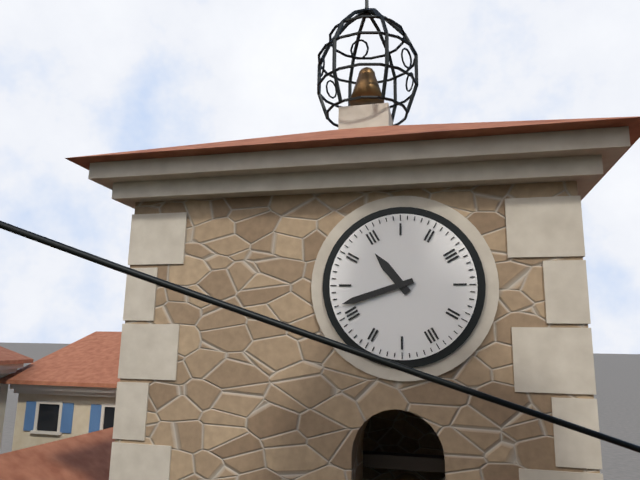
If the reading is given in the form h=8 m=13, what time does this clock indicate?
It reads h=10 m=42
